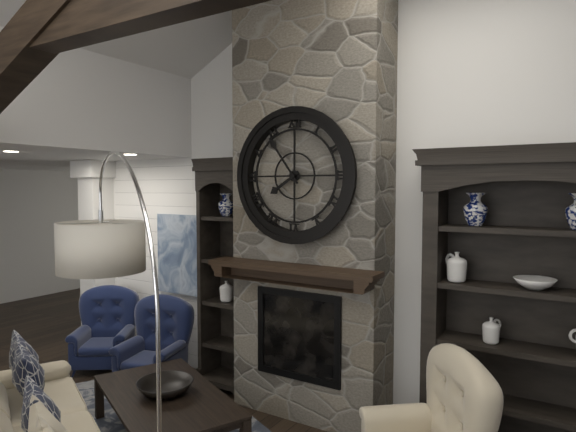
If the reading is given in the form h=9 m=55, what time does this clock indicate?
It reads h=7 m=54
